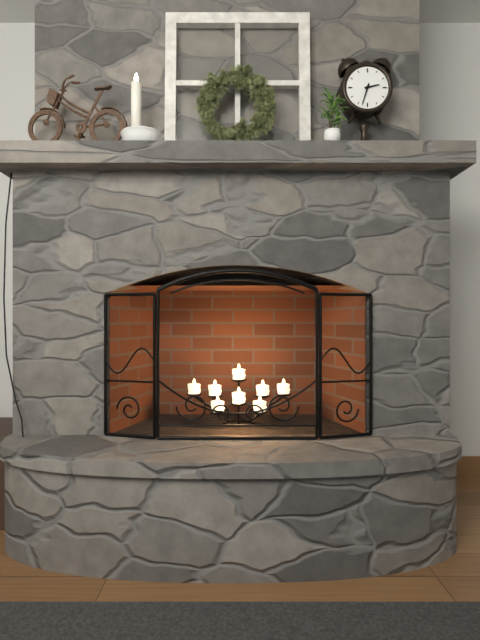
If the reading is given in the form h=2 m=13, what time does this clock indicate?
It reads h=2 m=33
